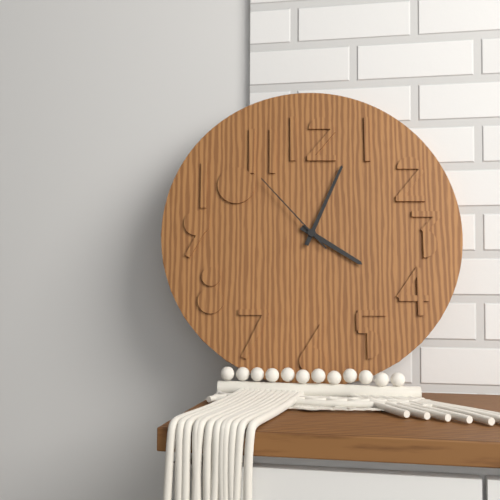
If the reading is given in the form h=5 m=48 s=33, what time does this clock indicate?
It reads h=4 m=4 s=53
